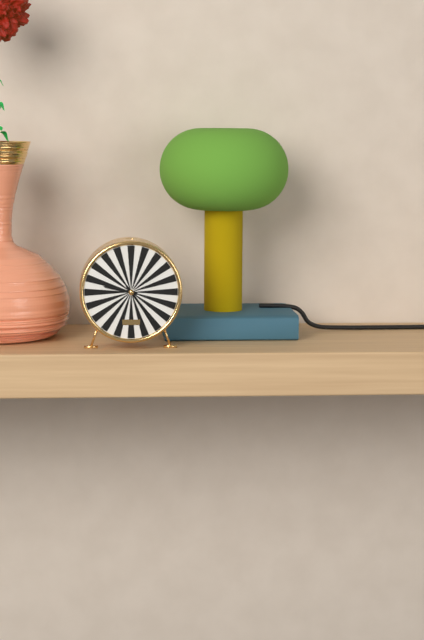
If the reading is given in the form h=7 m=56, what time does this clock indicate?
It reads h=9 m=24
